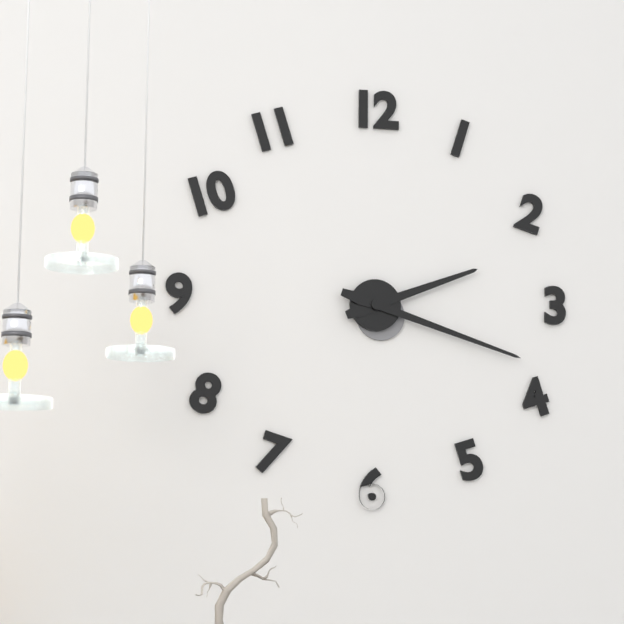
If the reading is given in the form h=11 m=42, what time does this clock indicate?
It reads h=2 m=18
